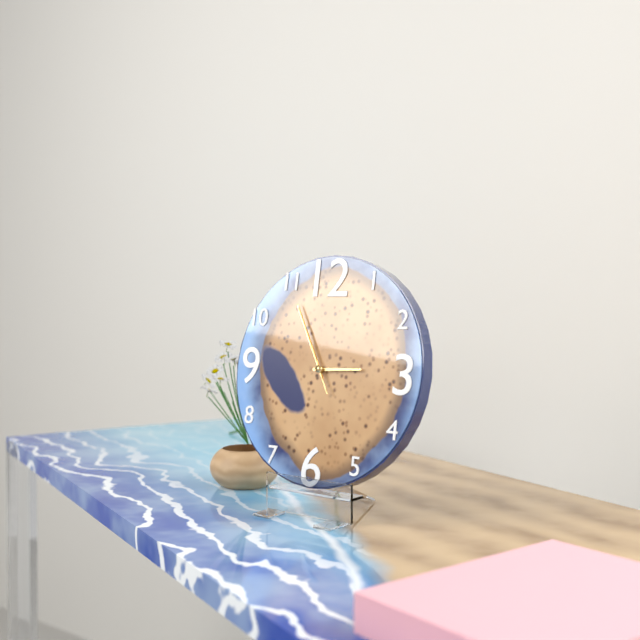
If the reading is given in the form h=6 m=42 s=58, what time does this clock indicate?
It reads h=2 m=55 s=55
